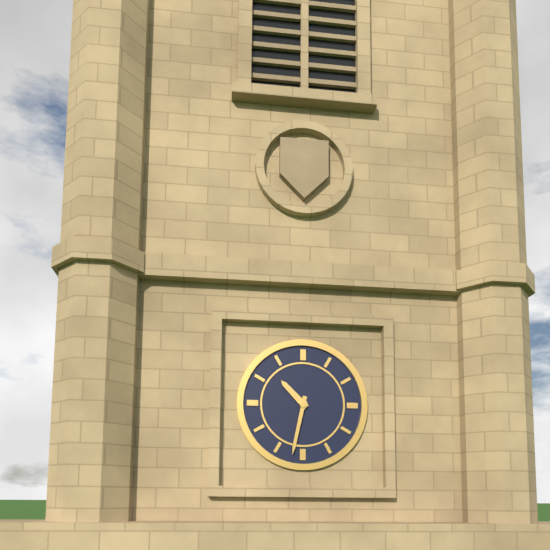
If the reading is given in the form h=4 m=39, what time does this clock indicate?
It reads h=10 m=32
